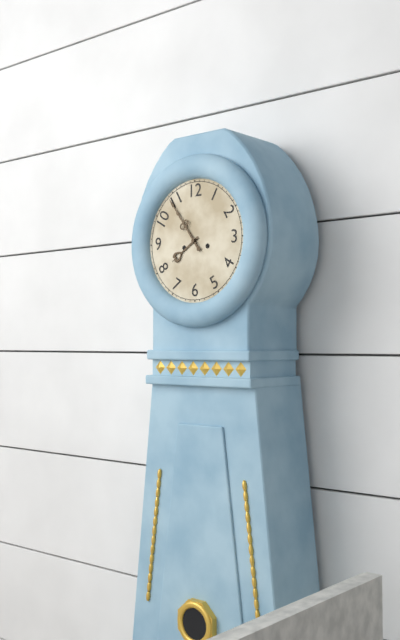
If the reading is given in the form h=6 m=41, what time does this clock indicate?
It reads h=7 m=54
